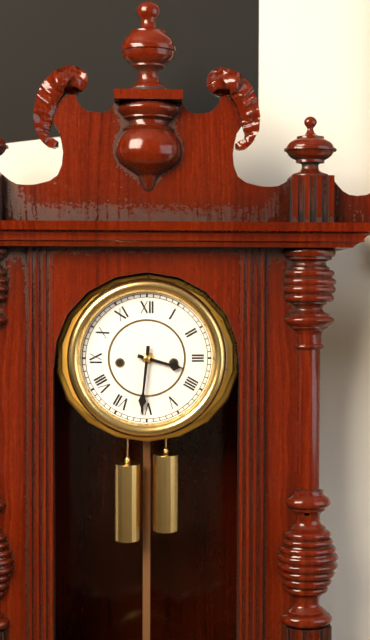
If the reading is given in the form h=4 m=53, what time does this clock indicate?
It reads h=3 m=31
